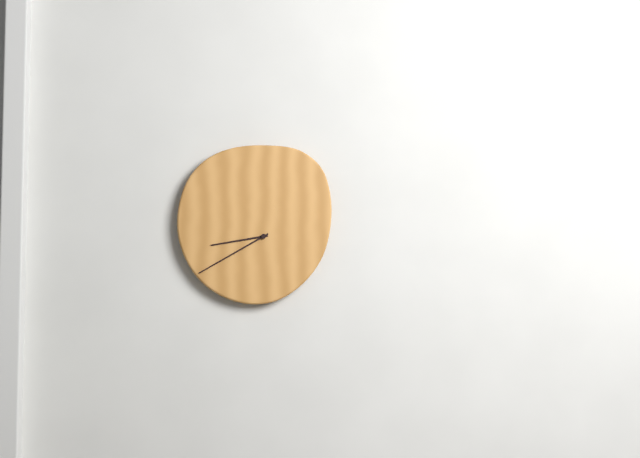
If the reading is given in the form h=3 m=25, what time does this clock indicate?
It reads h=8 m=40
